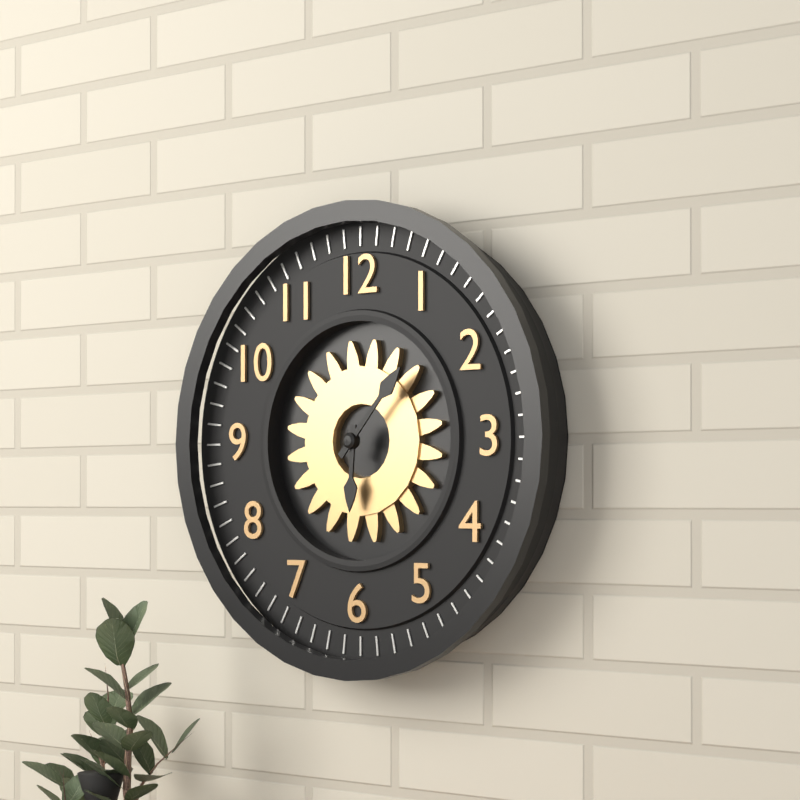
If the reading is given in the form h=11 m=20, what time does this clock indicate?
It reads h=6 m=7
